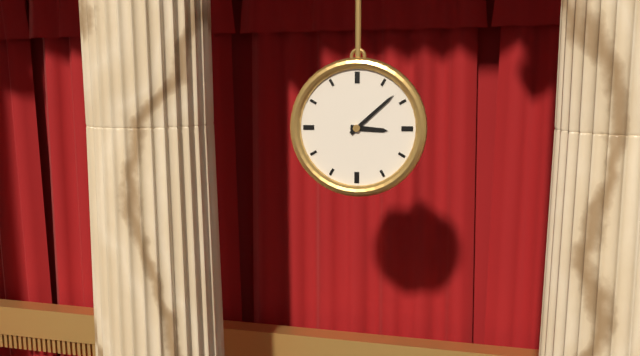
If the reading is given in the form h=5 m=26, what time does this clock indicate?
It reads h=3 m=8
